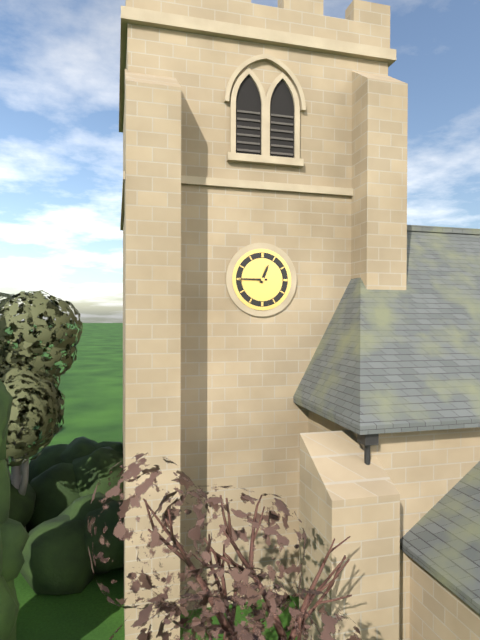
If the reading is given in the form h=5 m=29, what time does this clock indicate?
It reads h=12 m=45
